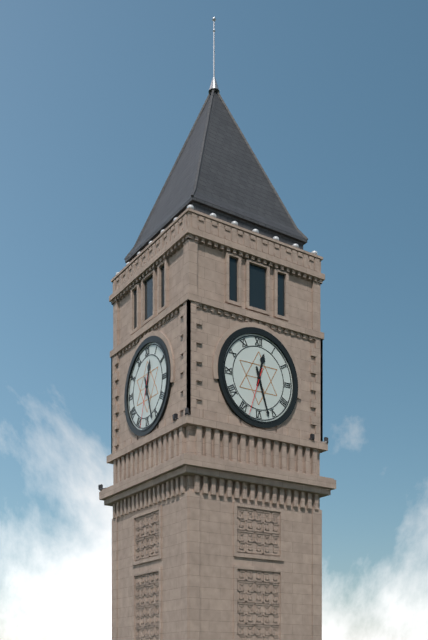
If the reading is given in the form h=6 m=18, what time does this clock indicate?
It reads h=12 m=27
